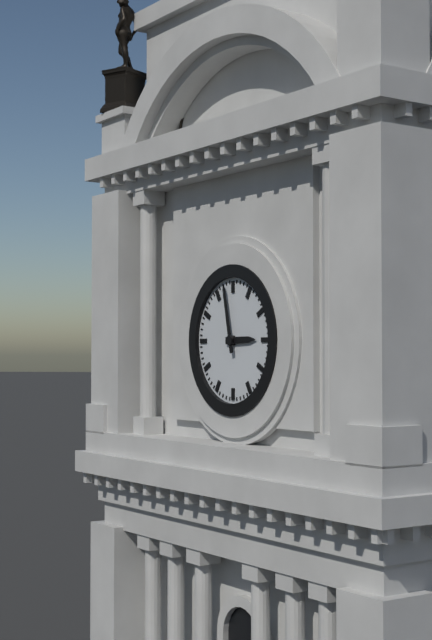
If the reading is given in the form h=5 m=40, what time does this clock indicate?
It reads h=2 m=58
